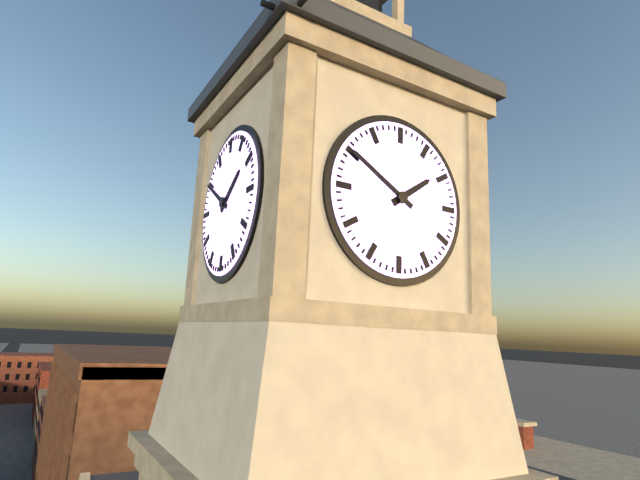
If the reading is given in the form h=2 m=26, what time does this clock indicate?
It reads h=1 m=50
